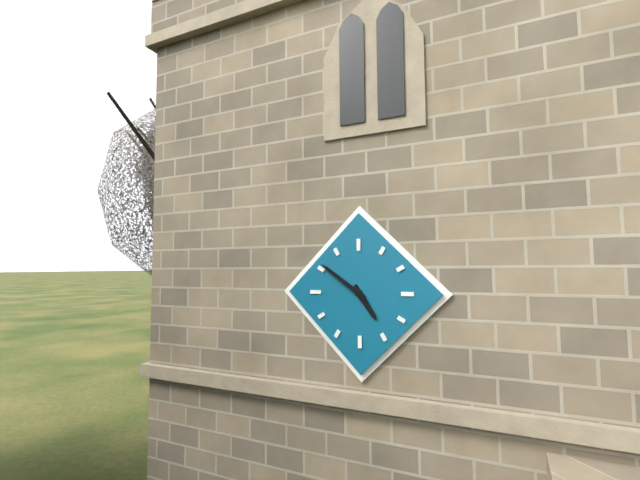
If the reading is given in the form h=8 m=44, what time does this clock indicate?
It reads h=4 m=51
